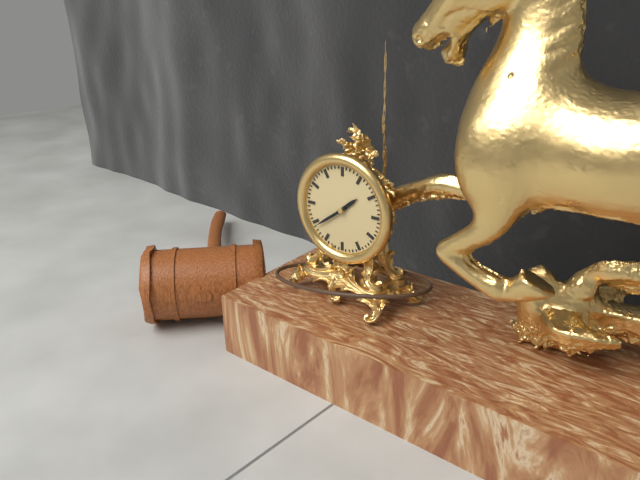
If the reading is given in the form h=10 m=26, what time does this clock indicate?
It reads h=1 m=39
